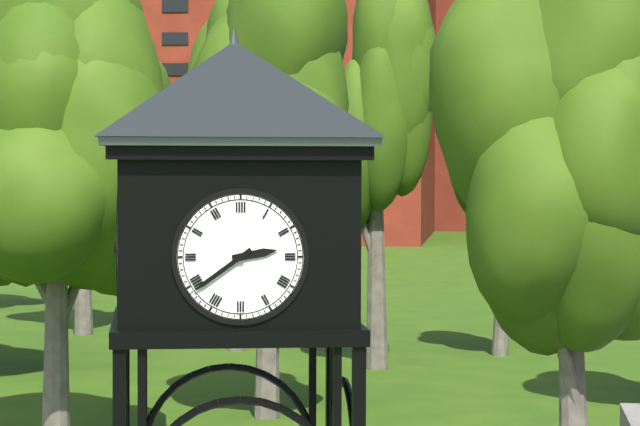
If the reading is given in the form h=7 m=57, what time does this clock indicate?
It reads h=2 m=39
